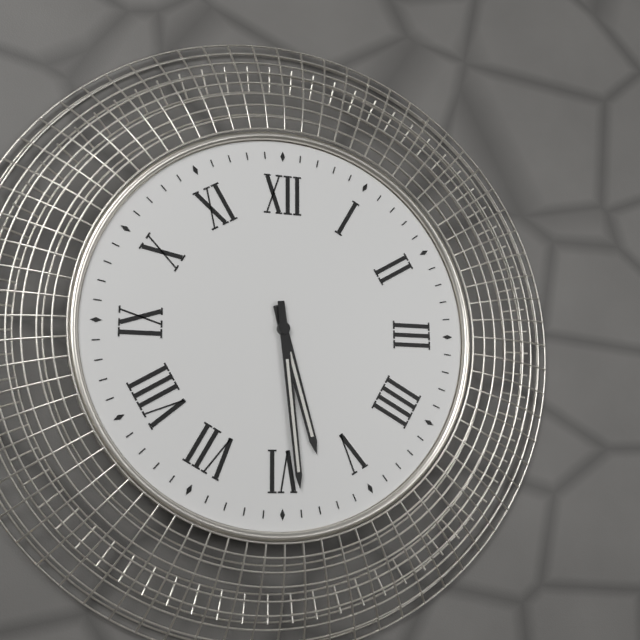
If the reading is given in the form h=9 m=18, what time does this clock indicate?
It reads h=5 m=29
